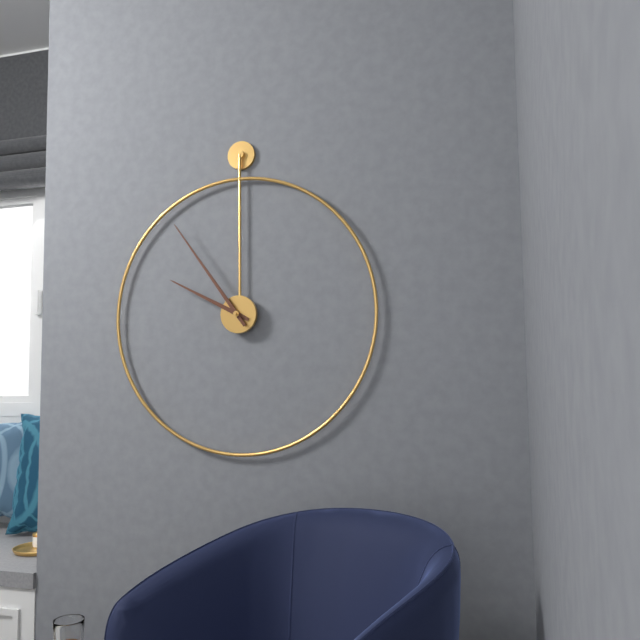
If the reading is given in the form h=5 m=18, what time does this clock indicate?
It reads h=9 m=54
